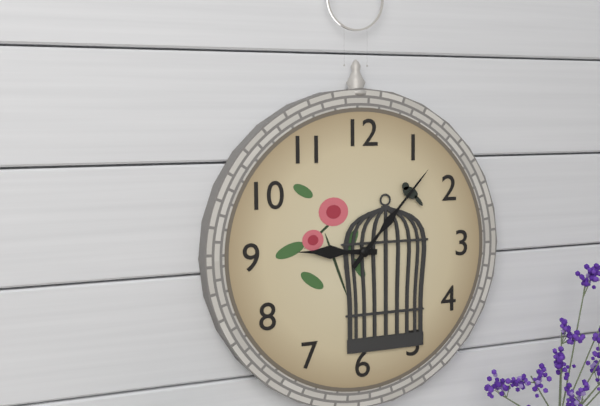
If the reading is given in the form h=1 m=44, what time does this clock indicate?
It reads h=9 m=7
